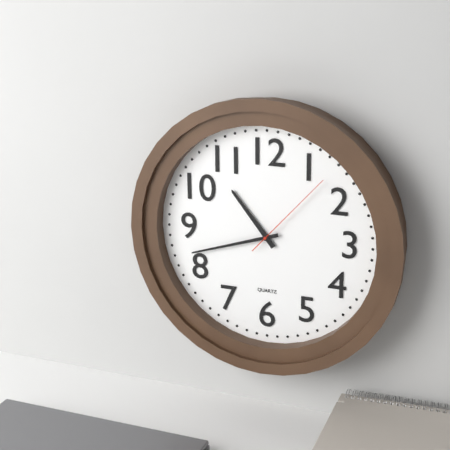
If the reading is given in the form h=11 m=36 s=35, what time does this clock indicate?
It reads h=10 m=42 s=7
